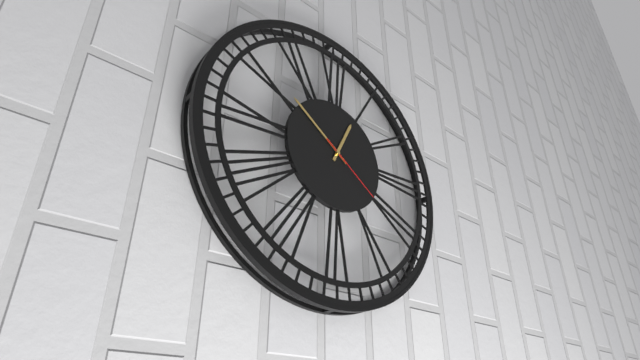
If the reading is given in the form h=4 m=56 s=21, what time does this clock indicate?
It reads h=12 m=51 s=21
